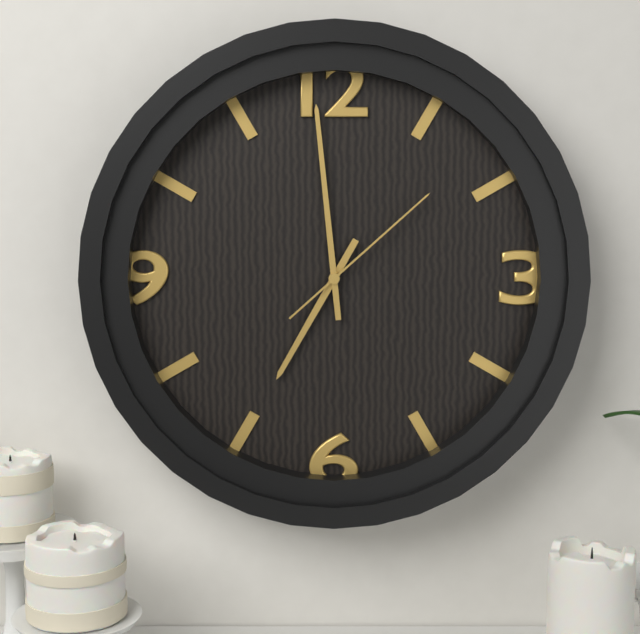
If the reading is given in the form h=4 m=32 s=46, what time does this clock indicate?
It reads h=6 m=59 s=8
